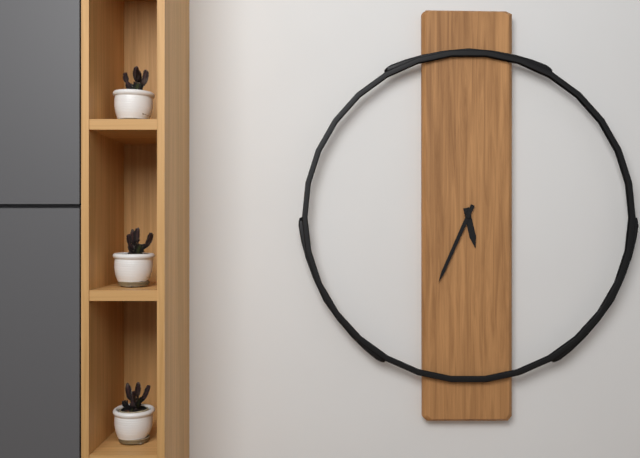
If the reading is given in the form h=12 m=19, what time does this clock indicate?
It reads h=5 m=34
